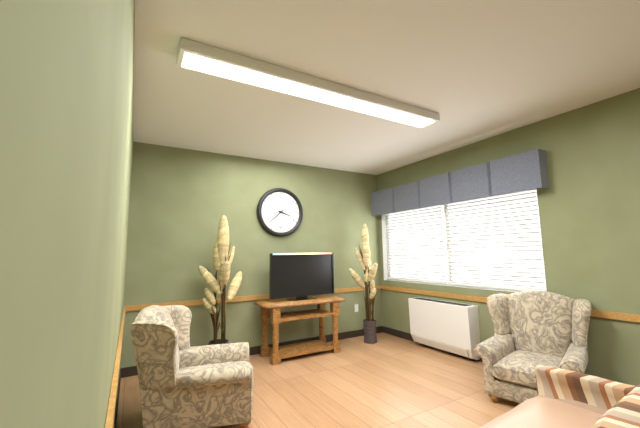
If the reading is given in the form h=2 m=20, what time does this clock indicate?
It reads h=3 m=38
